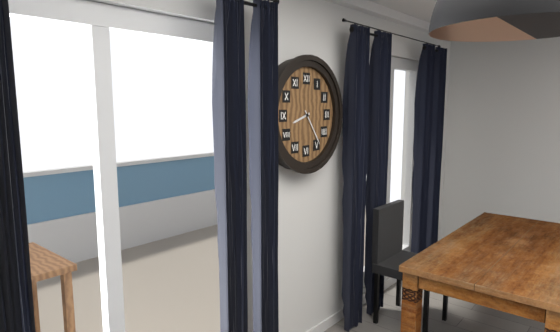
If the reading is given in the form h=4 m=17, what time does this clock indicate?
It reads h=8 m=24
